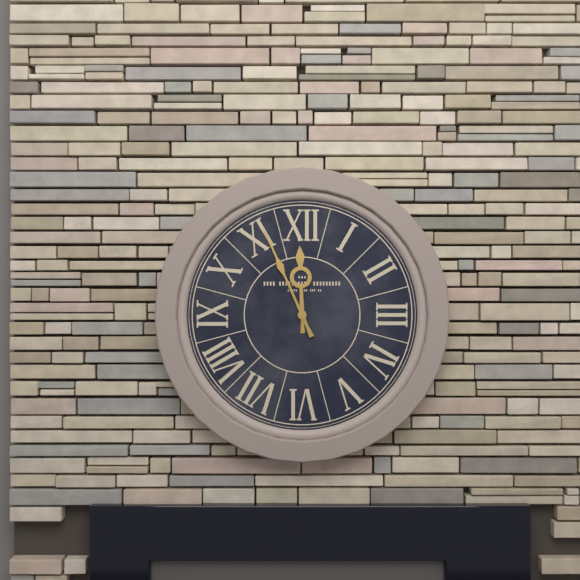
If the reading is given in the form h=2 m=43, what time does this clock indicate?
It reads h=11 m=56
